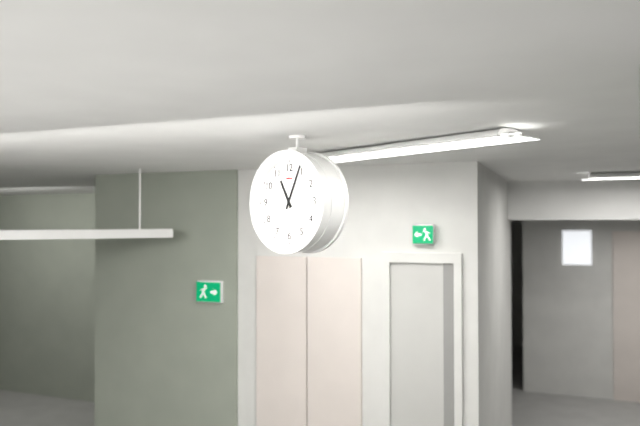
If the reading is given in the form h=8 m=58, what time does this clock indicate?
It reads h=11 m=4
